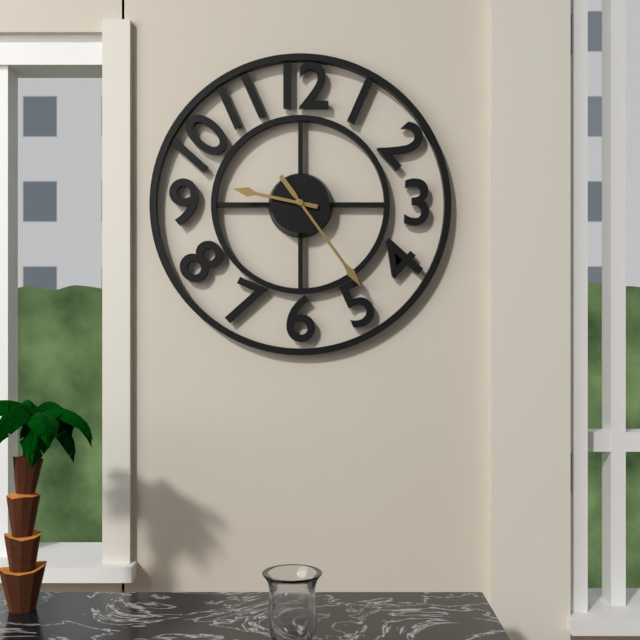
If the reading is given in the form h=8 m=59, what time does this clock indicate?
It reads h=9 m=24
